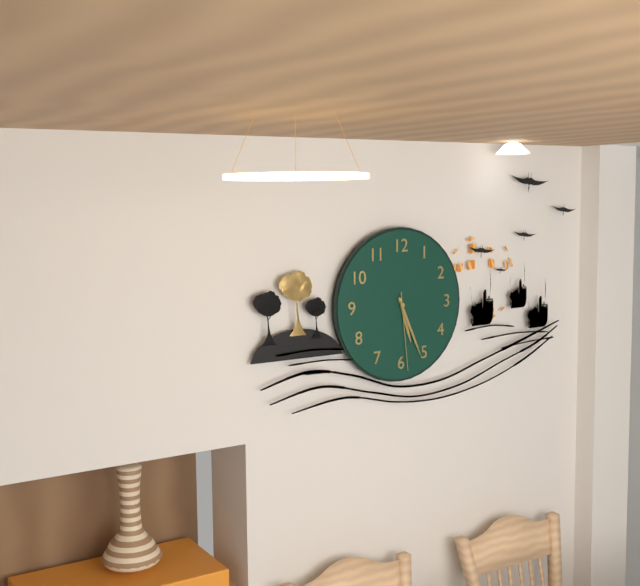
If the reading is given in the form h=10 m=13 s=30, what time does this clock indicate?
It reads h=5 m=26 s=29
